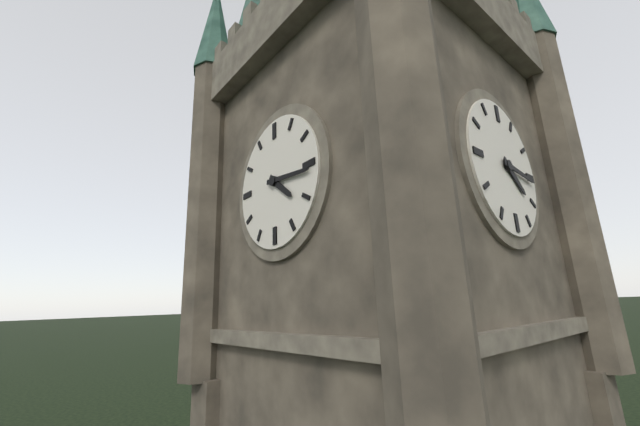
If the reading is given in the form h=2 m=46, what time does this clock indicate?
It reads h=4 m=16
